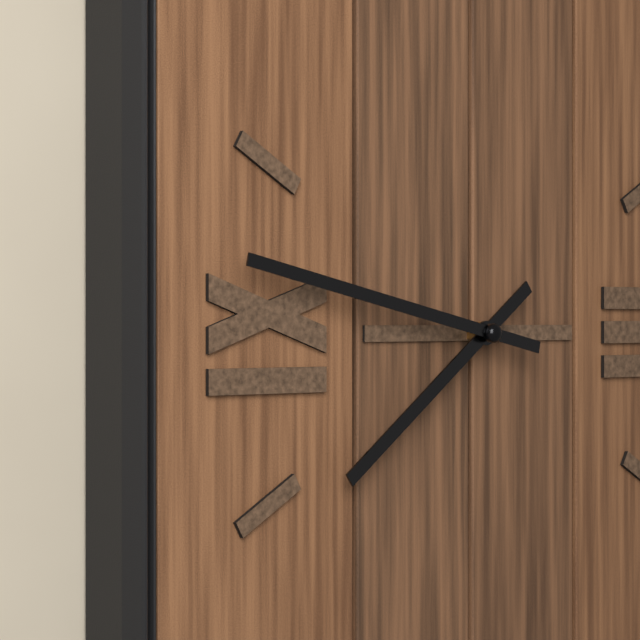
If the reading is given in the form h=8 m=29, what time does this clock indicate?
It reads h=7 m=47
